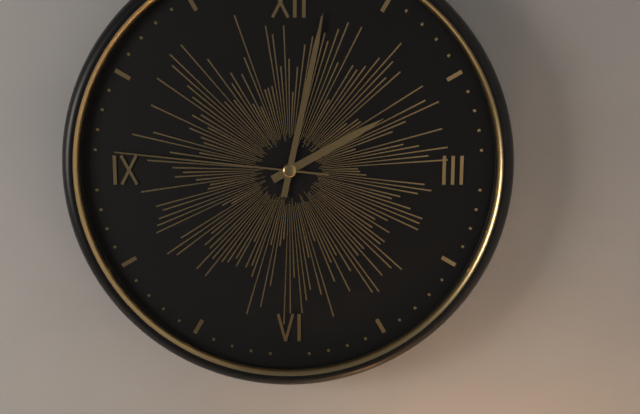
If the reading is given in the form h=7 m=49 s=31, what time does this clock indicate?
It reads h=2 m=2 s=46
